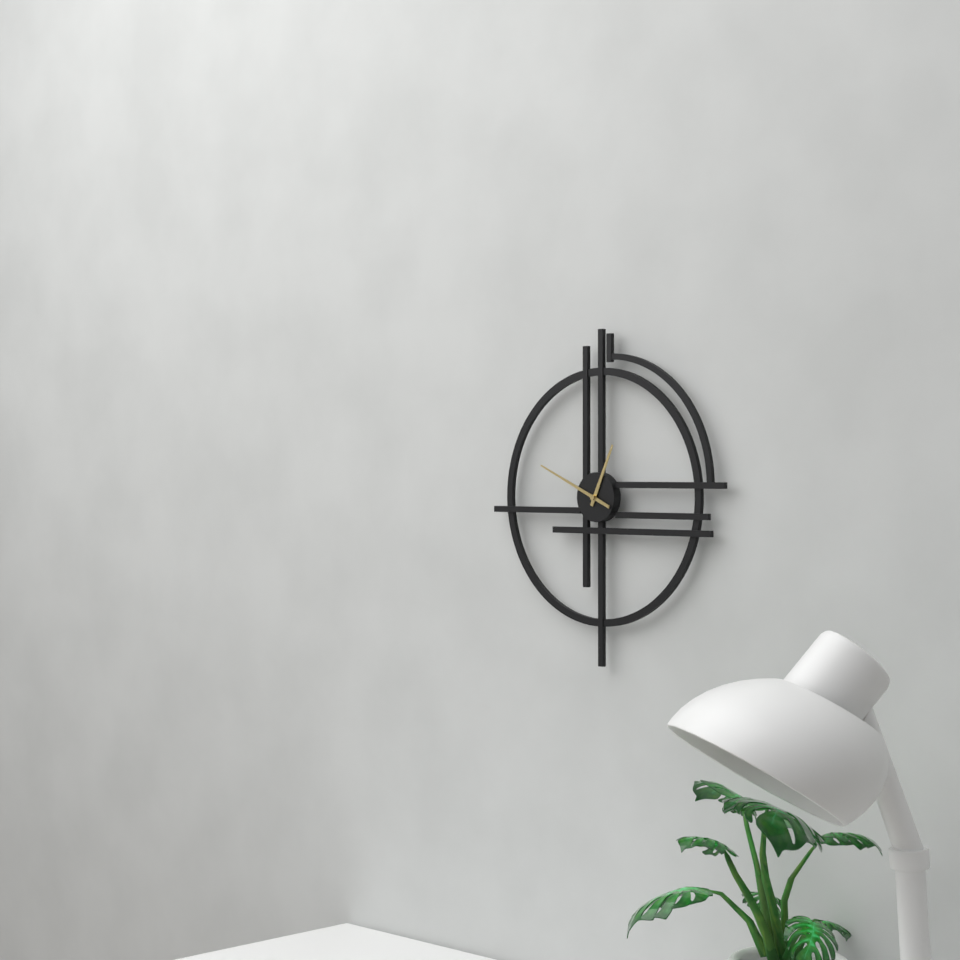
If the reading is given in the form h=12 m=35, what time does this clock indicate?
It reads h=12 m=49
